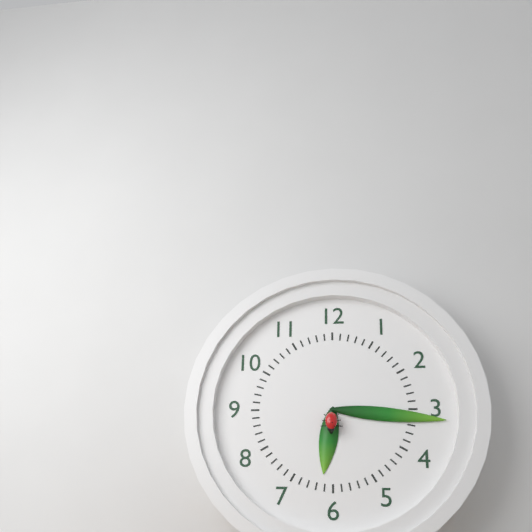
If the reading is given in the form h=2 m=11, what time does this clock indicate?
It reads h=6 m=16
